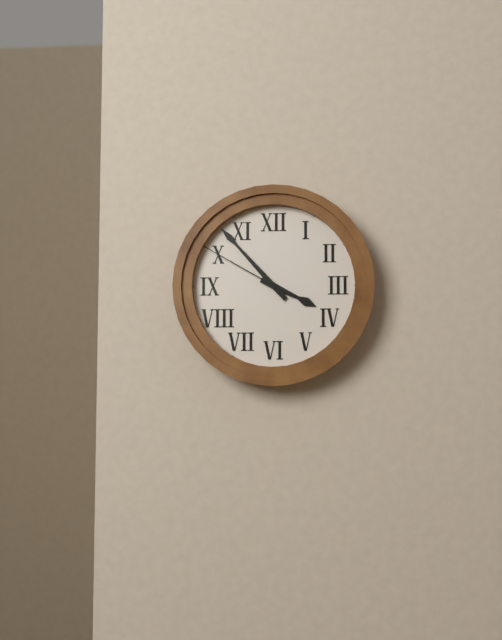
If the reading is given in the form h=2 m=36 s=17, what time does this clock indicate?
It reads h=3 m=53 s=50
